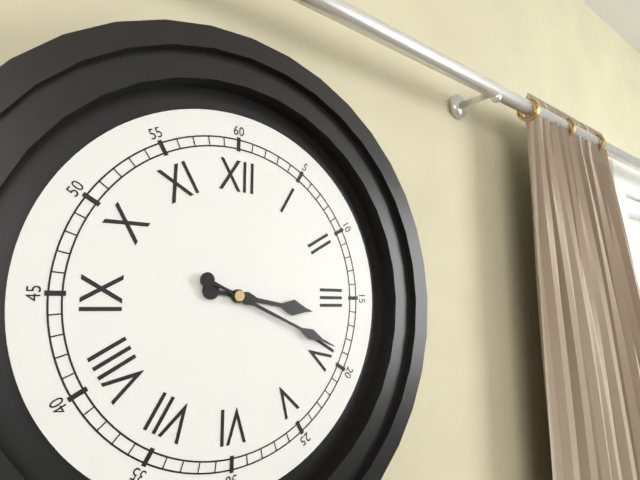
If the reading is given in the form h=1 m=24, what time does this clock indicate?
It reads h=3 m=19
